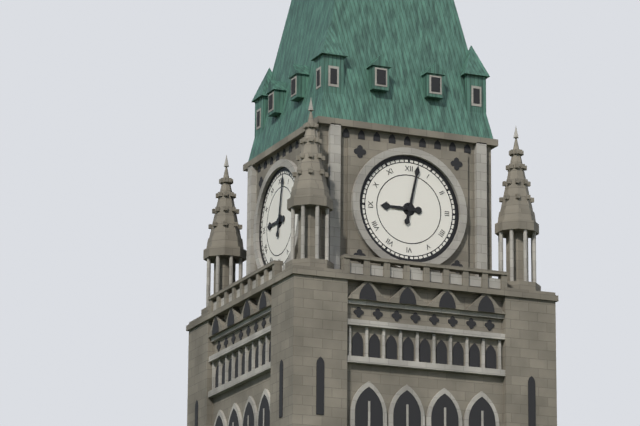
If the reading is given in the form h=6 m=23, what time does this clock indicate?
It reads h=9 m=2
